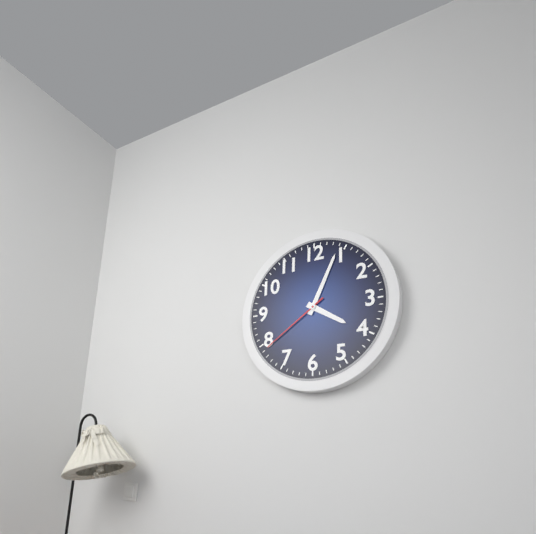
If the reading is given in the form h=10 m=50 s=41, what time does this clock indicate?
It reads h=4 m=4 s=39
